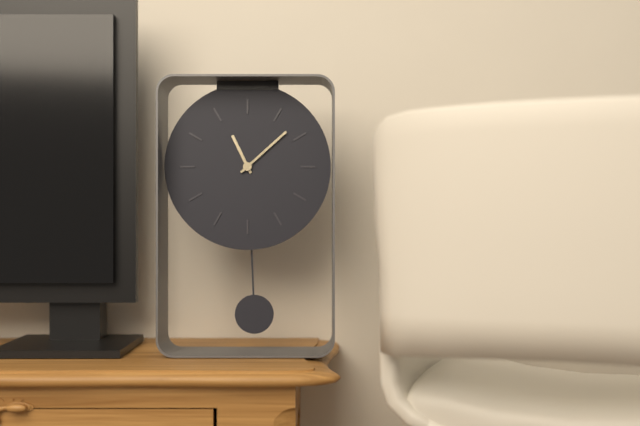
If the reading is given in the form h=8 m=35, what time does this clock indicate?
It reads h=11 m=8
